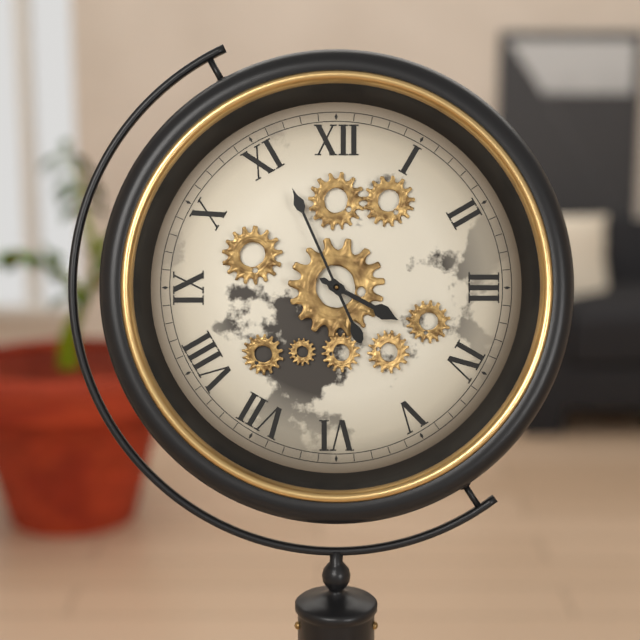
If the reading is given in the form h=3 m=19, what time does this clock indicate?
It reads h=3 m=56
